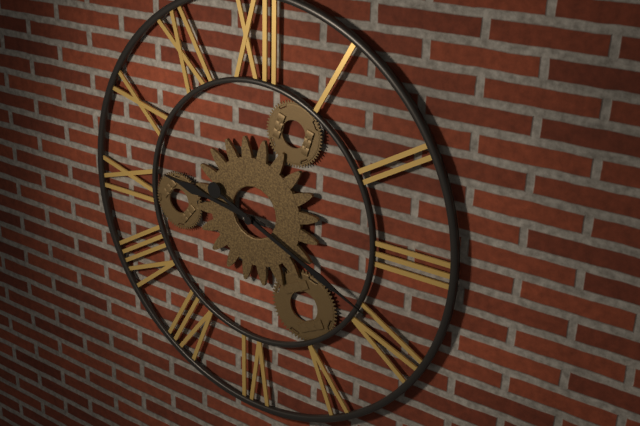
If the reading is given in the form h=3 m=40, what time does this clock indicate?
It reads h=9 m=19
